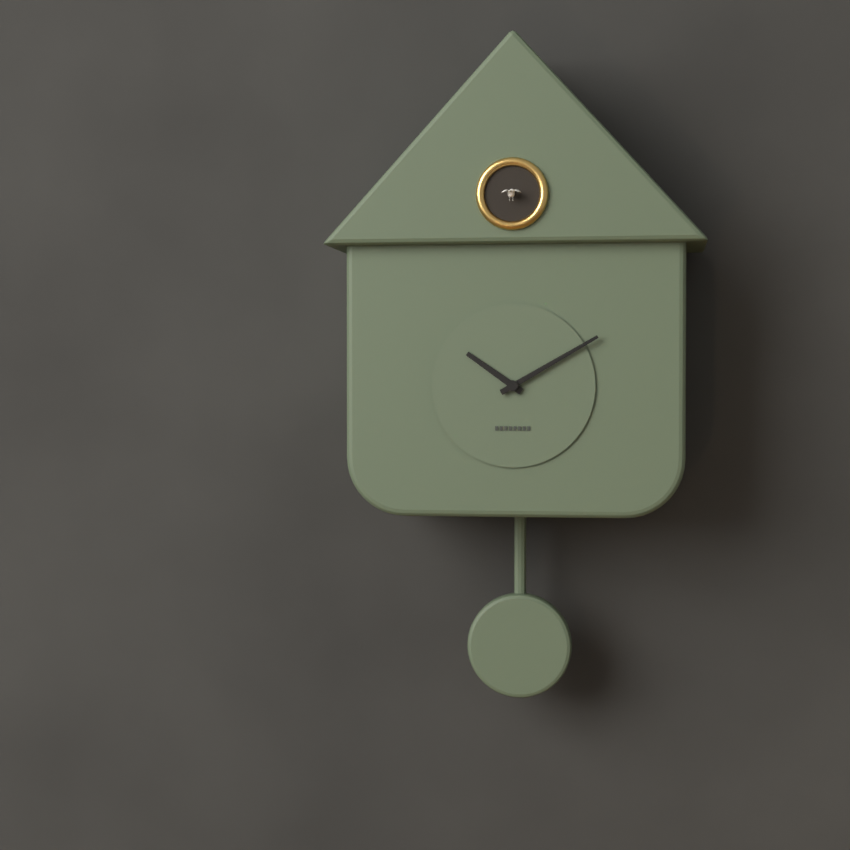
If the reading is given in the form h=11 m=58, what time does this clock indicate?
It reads h=10 m=10
